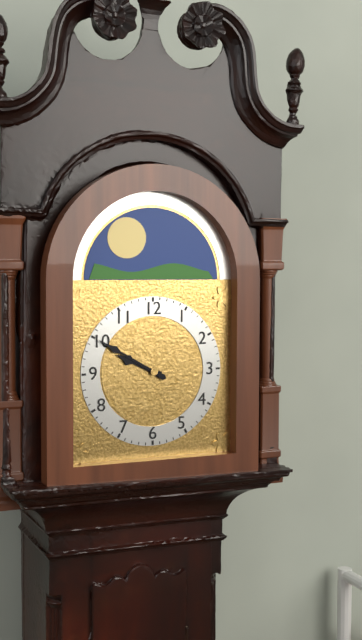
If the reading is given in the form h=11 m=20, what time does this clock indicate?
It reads h=9 m=50
